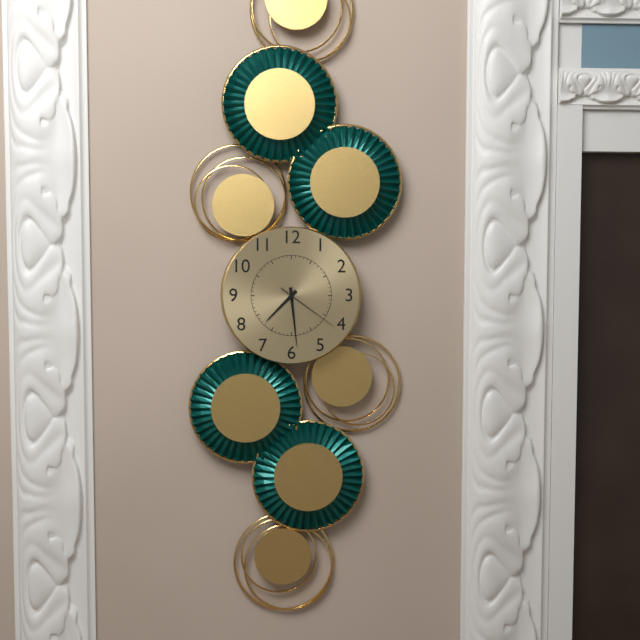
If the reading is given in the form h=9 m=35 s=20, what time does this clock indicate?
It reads h=7 m=29 s=21
